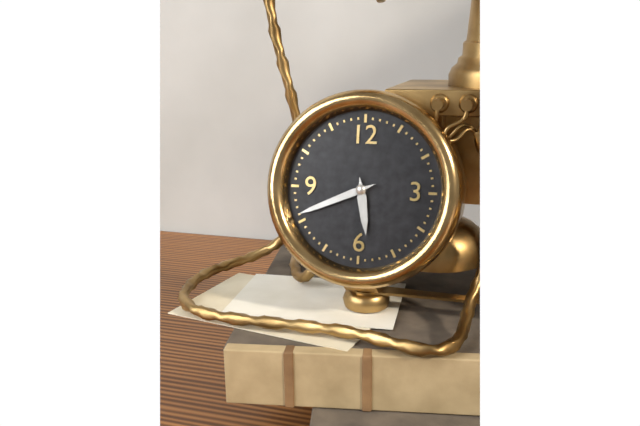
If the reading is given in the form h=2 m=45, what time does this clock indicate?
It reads h=5 m=41
